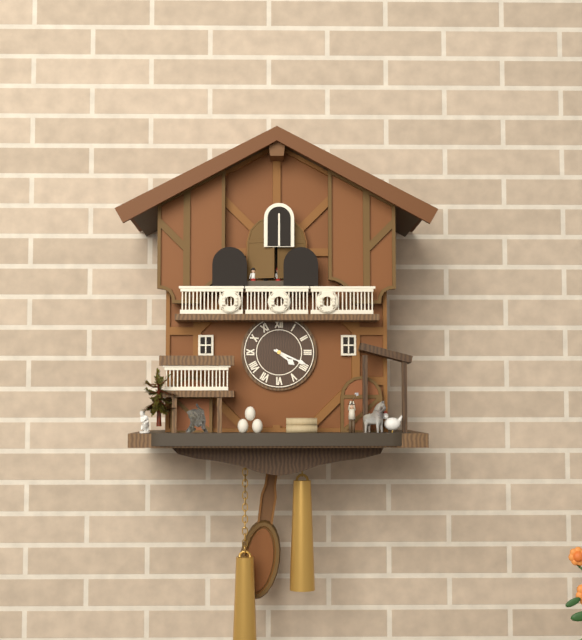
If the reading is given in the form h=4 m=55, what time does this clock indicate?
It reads h=4 m=19
